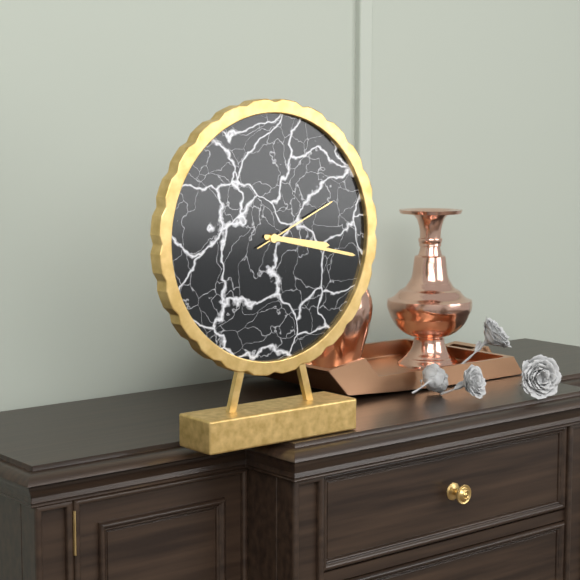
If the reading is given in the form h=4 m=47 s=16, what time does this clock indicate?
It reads h=3 m=17 s=11
